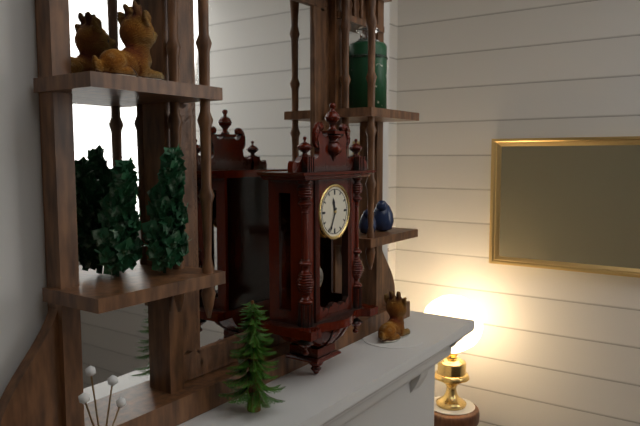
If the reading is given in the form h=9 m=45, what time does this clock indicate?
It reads h=11 m=34
